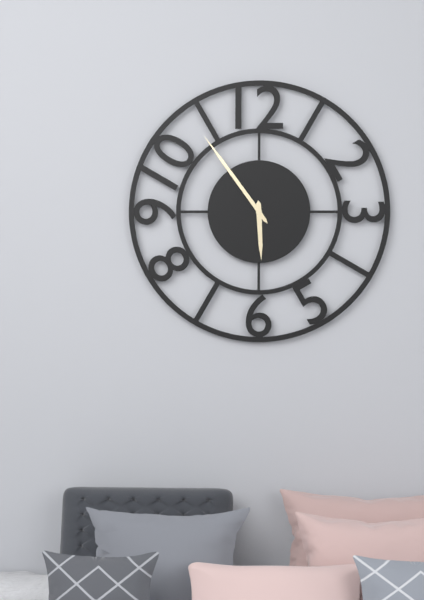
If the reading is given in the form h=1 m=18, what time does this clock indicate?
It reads h=5 m=54
